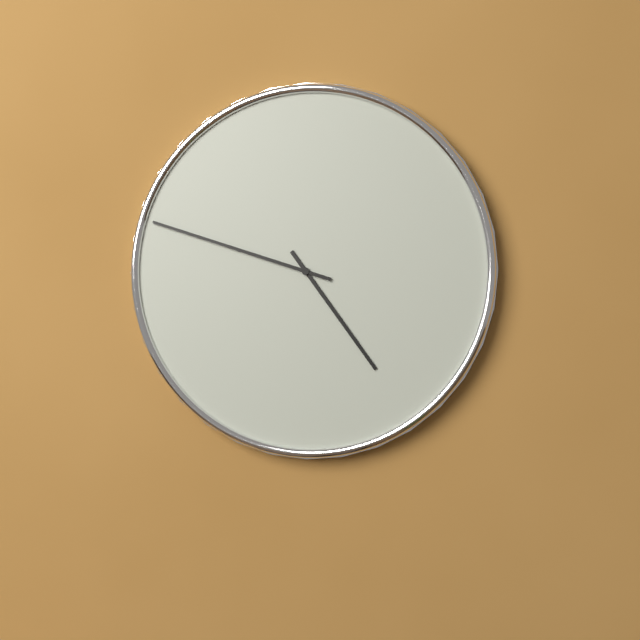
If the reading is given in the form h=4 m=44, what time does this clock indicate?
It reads h=4 m=48
